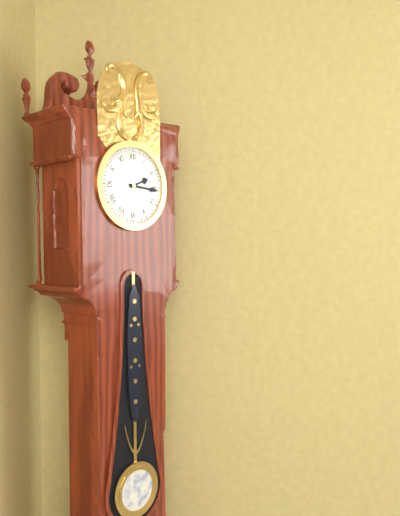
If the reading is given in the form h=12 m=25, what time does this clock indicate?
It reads h=2 m=16
